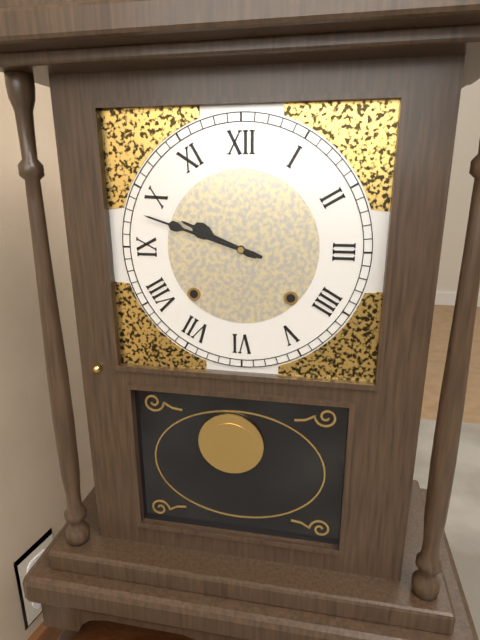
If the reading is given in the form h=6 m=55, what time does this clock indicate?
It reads h=9 m=48
